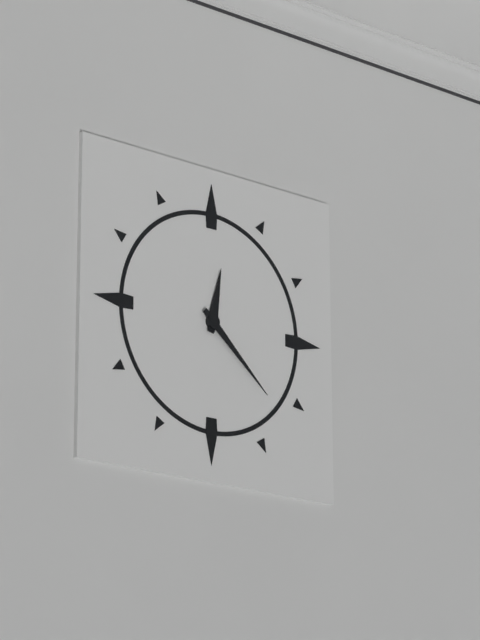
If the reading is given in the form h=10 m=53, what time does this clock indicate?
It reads h=12 m=22
